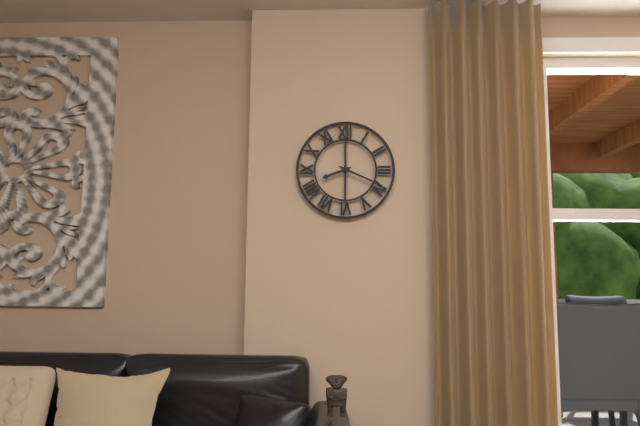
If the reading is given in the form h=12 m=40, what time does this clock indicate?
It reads h=8 m=19
